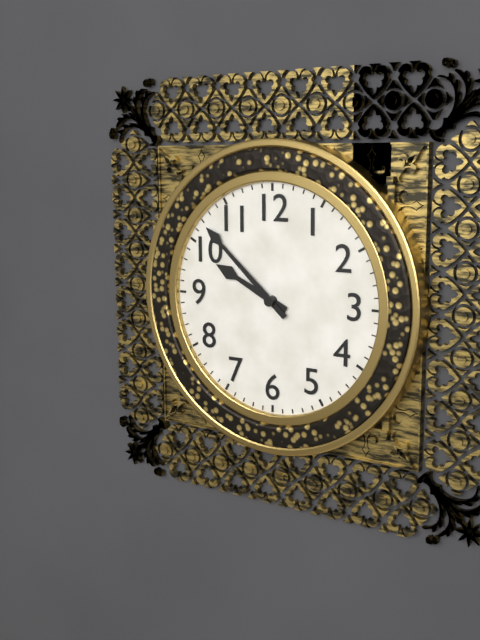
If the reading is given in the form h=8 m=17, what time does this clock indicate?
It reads h=9 m=52
